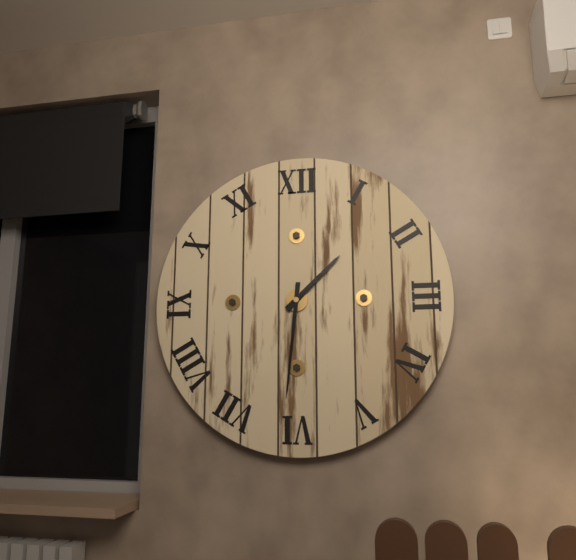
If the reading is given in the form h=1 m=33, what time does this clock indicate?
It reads h=1 m=31
